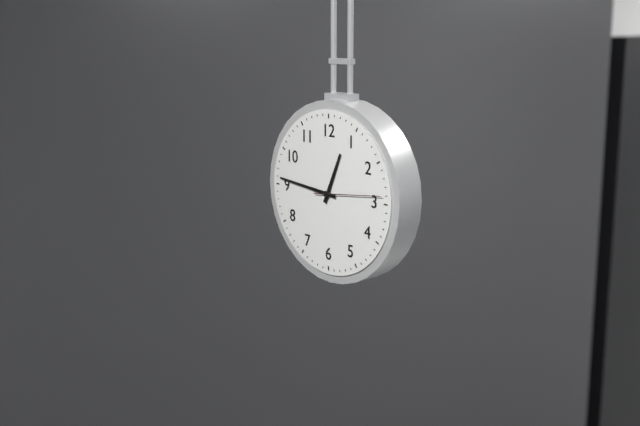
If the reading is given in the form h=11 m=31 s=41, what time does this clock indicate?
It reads h=12 m=46 s=14
